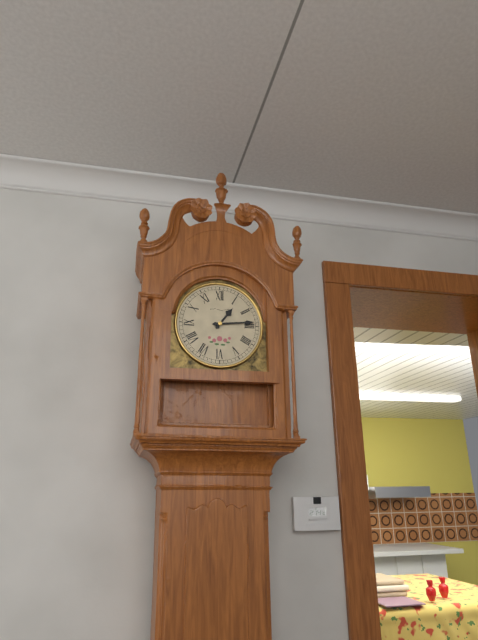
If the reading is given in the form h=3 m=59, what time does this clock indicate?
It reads h=1 m=14
